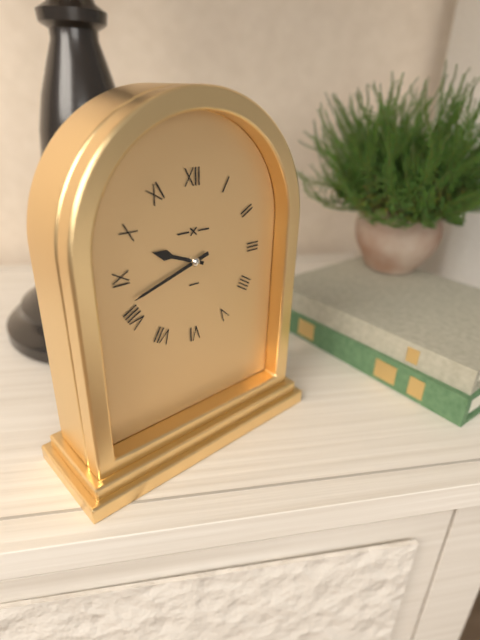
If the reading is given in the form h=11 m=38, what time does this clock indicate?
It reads h=9 m=42
